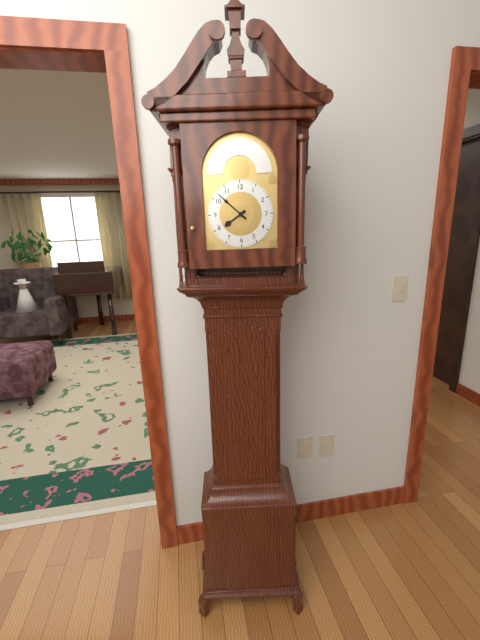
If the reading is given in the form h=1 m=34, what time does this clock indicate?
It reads h=7 m=52
